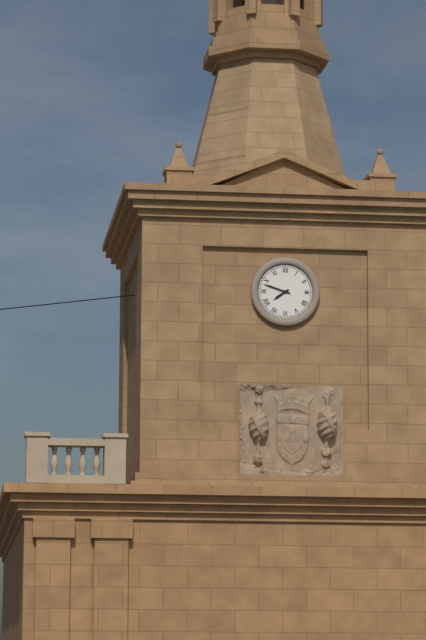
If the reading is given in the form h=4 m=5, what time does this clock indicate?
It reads h=7 m=48
